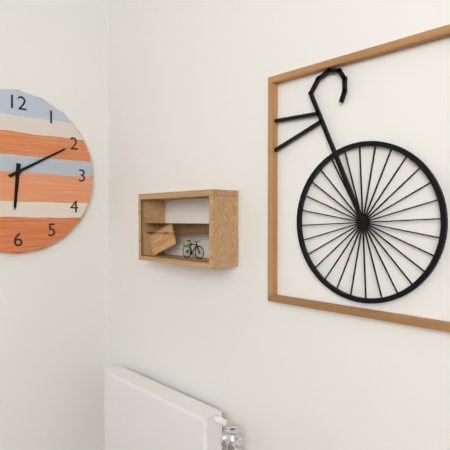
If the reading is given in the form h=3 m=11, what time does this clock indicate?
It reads h=6 m=10
